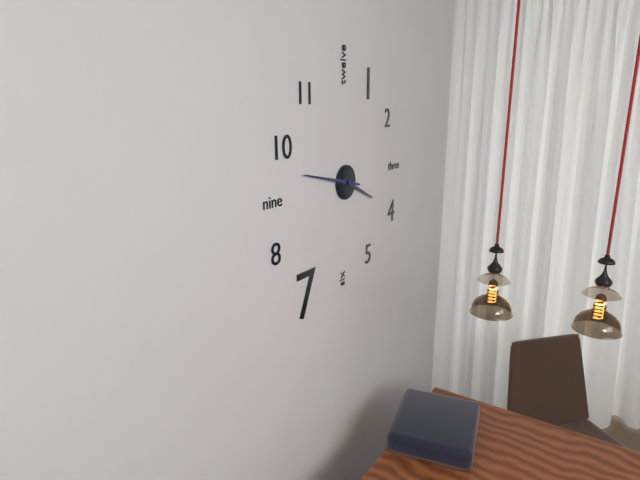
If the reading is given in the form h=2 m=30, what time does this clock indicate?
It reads h=3 m=47
